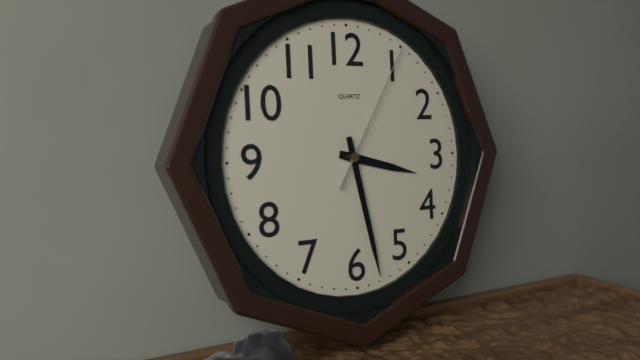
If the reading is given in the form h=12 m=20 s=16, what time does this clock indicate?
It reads h=3 m=28 s=5
